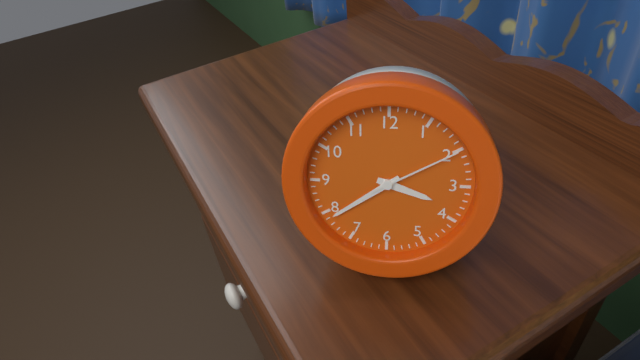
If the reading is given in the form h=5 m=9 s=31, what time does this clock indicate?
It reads h=3 m=39 s=10
